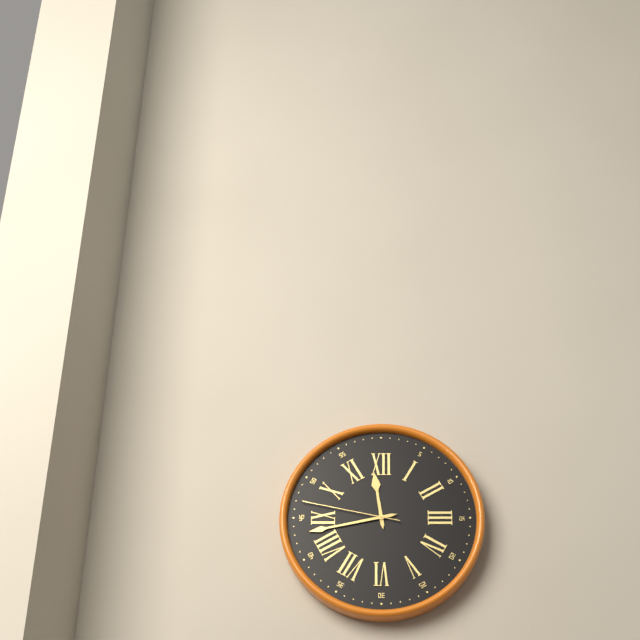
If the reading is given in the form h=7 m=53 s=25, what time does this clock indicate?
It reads h=11 m=43 s=47
